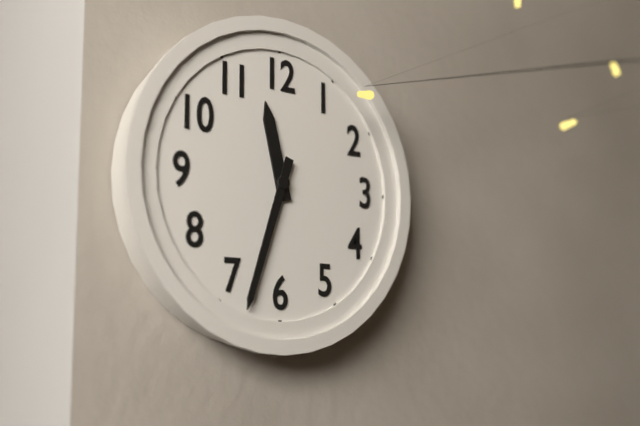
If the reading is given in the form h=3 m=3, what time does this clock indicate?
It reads h=11 m=33
